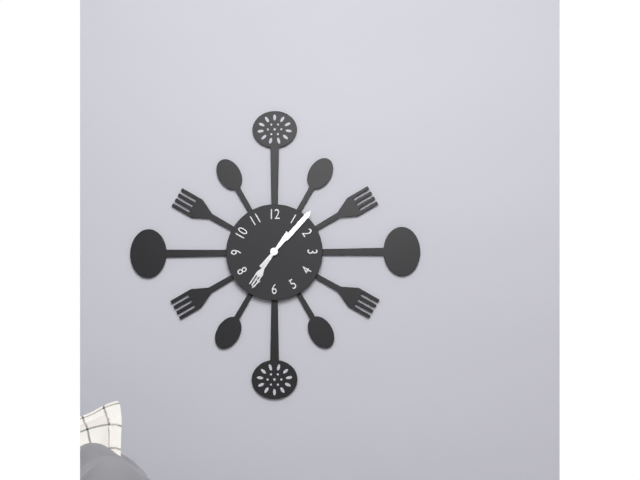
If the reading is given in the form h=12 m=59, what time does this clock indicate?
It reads h=7 m=7
